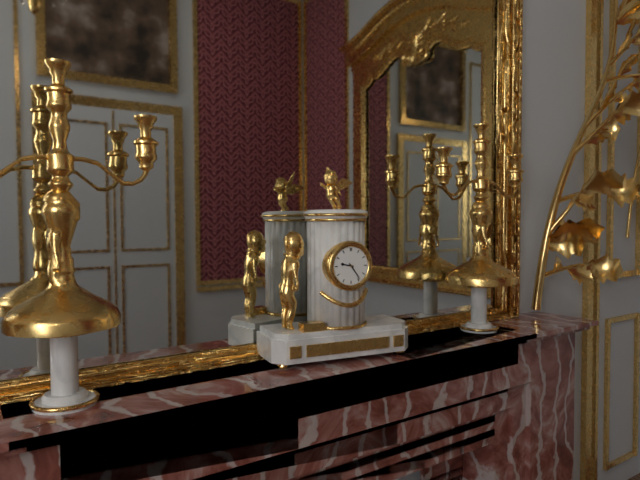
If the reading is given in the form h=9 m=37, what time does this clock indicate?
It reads h=9 m=24
